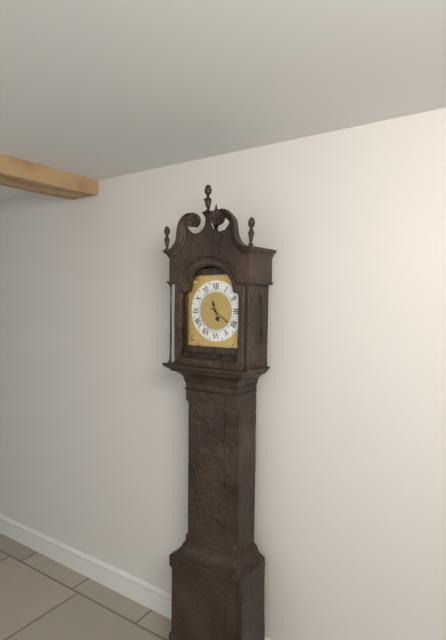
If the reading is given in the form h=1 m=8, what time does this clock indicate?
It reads h=11 m=21
